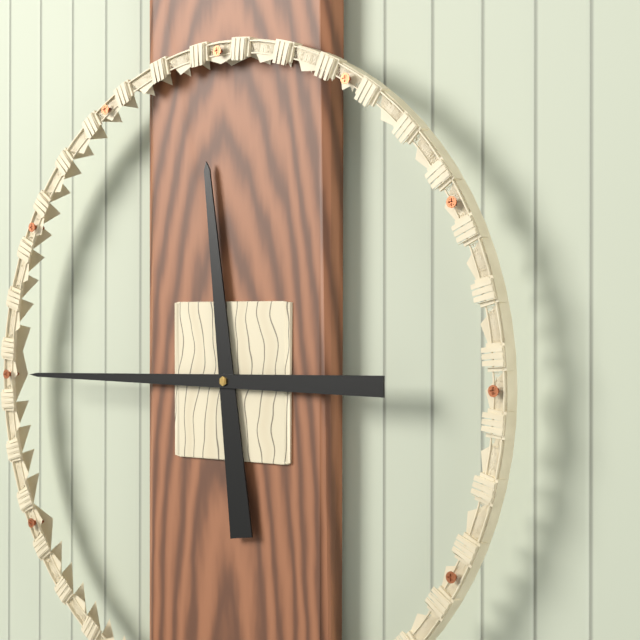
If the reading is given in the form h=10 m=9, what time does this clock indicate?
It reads h=11 m=45
